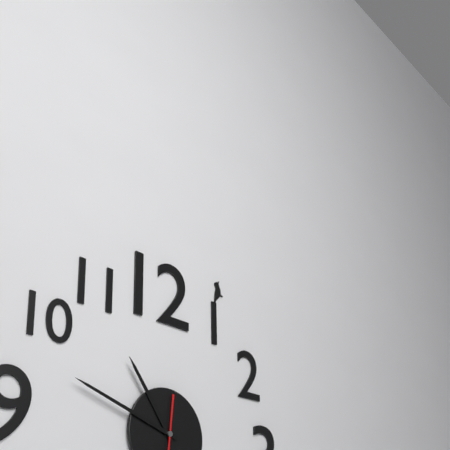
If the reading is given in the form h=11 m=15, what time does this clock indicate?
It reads h=10 m=48
